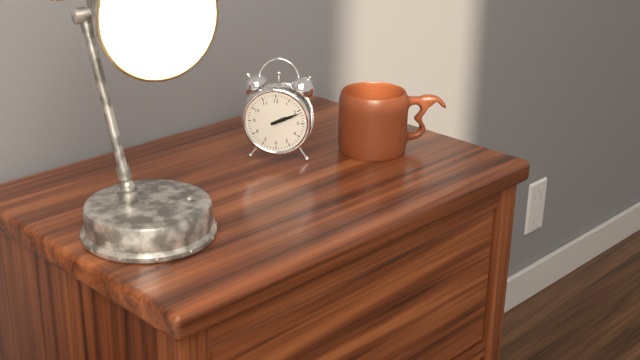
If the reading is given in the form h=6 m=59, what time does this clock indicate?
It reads h=2 m=11
